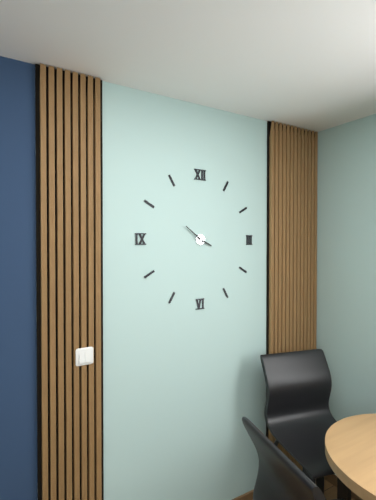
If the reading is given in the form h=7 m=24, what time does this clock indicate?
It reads h=3 m=51
